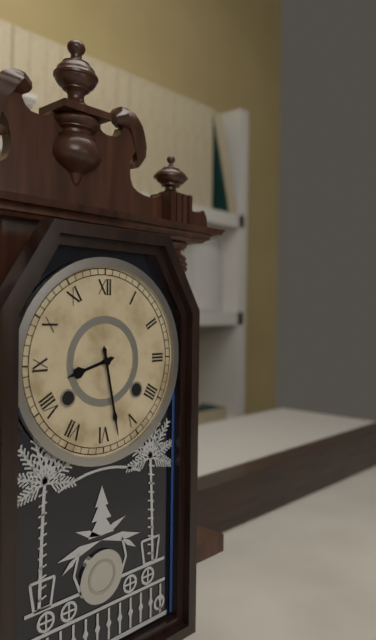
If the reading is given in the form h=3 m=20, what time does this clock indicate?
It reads h=8 m=28
